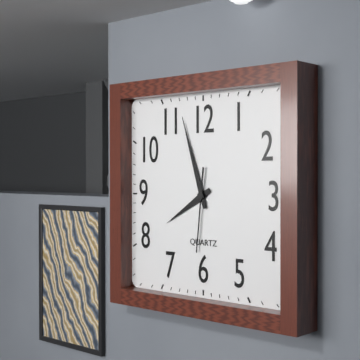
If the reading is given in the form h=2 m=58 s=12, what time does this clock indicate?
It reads h=7 m=57 s=31
